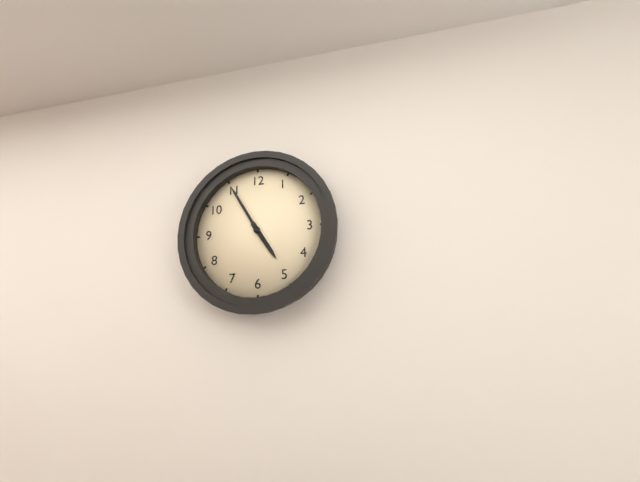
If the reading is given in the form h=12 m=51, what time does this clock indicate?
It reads h=4 m=55
